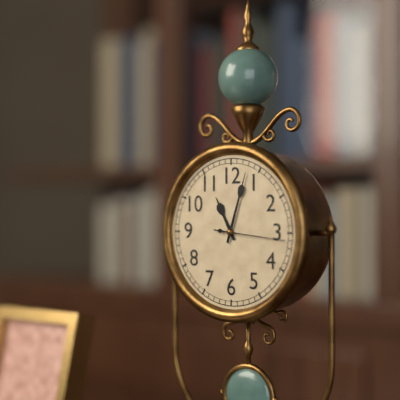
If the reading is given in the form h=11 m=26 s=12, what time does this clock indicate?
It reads h=11 m=3 s=16
